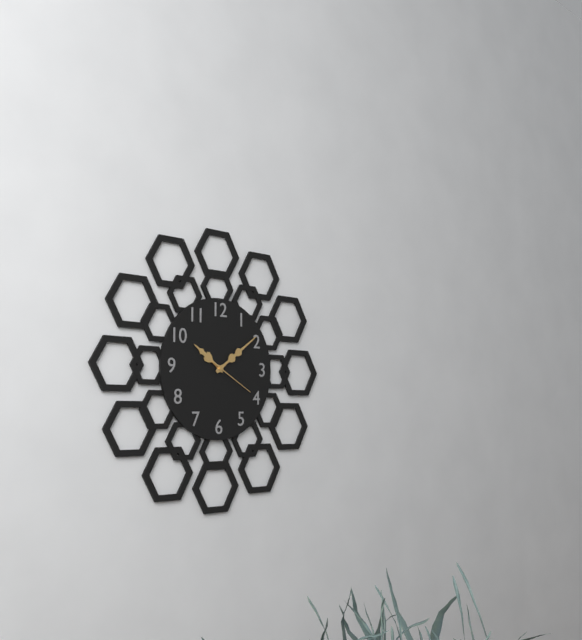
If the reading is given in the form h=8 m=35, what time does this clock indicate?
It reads h=10 m=9
